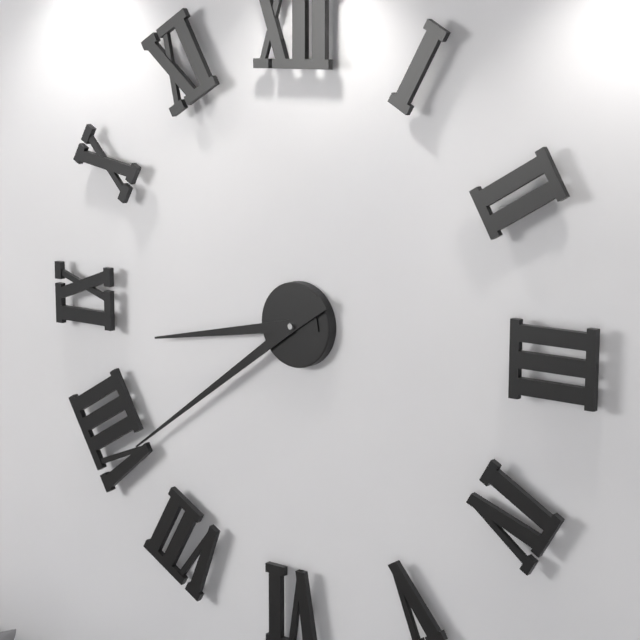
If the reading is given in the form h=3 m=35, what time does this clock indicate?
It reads h=8 m=39
